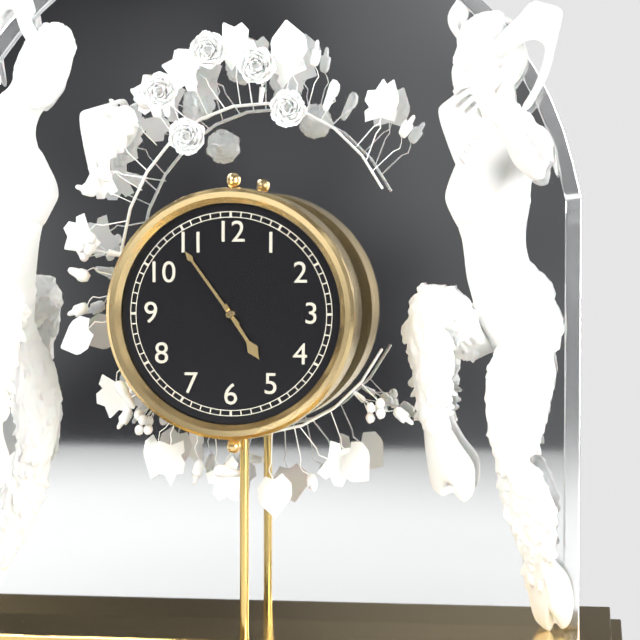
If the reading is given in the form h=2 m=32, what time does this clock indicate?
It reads h=4 m=54
